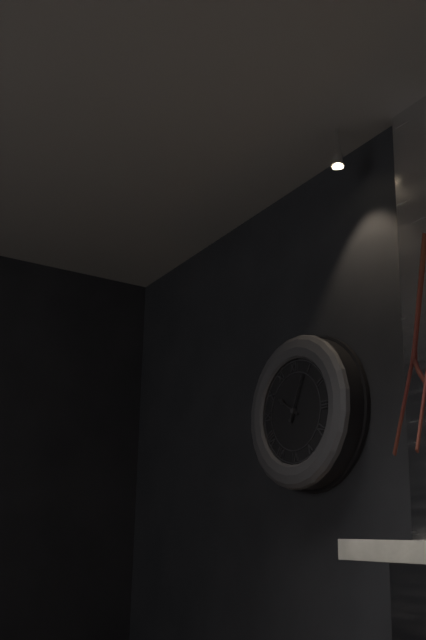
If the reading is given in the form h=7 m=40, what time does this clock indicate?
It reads h=10 m=4
